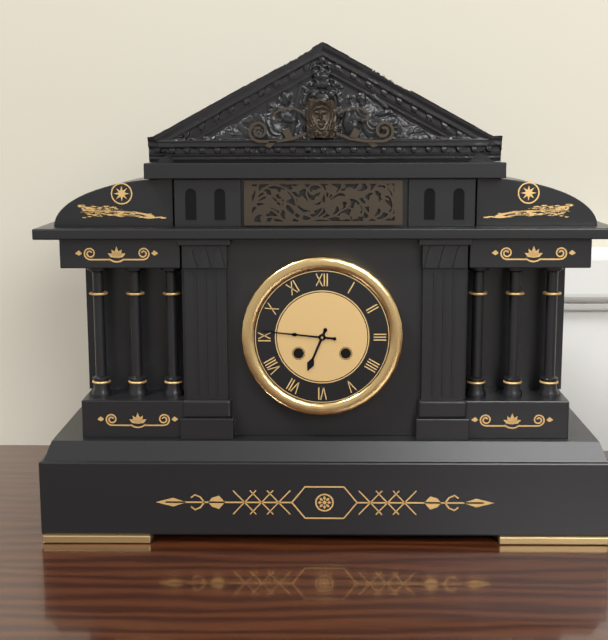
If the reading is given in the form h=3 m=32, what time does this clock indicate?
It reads h=6 m=46
